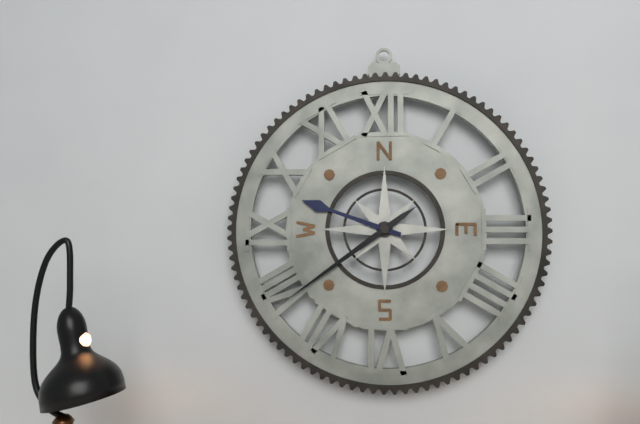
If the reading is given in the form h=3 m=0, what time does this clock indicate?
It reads h=9 m=39
